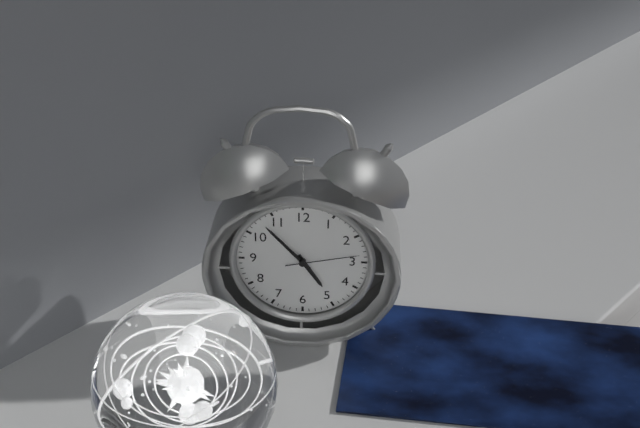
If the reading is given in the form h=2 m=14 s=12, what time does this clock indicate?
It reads h=4 m=53 s=13
